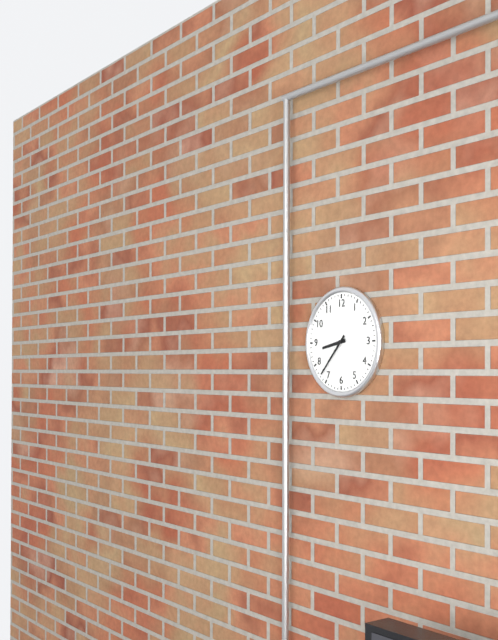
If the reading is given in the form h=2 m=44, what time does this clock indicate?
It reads h=8 m=37
